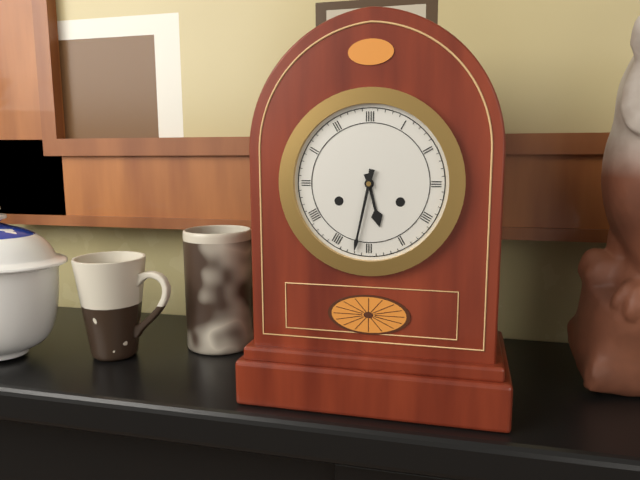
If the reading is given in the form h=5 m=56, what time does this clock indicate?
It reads h=5 m=32
